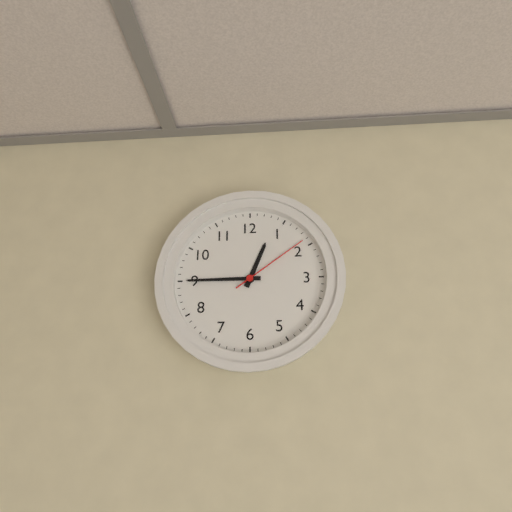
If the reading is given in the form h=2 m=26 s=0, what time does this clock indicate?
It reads h=12 m=45 s=9
